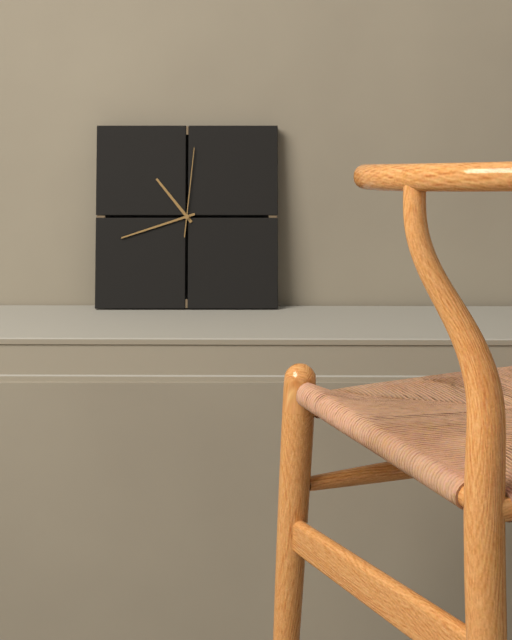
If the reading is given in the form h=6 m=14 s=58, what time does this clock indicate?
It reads h=10 m=42 s=1
